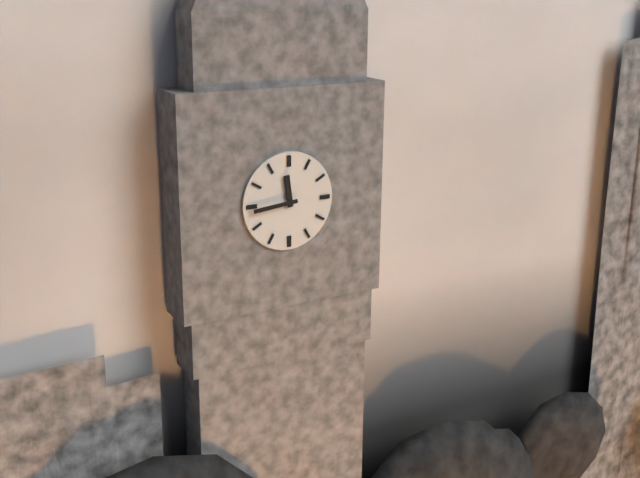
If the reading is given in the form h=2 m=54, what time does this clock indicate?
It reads h=11 m=44
